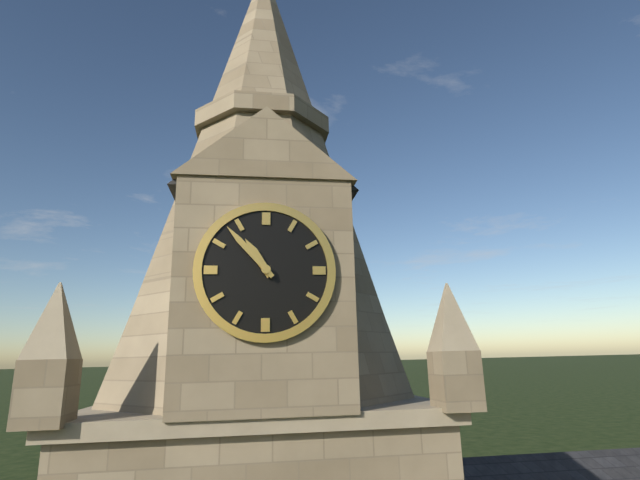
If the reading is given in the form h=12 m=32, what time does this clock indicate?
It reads h=10 m=53
